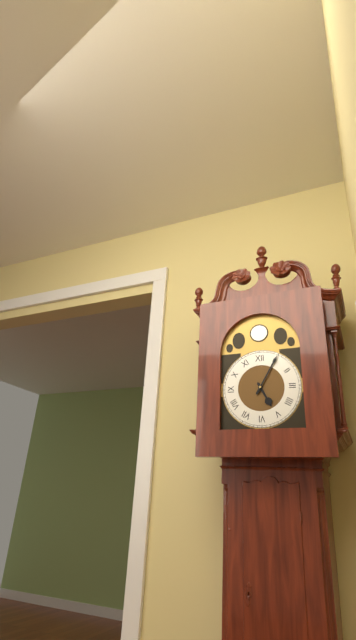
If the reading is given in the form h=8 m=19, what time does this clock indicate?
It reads h=5 m=5
